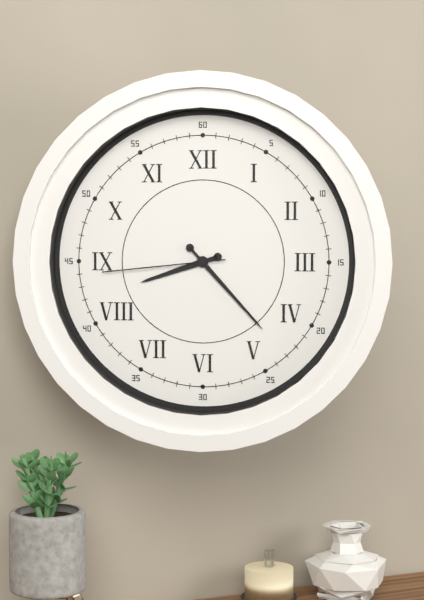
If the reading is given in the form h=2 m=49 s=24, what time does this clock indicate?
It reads h=8 m=23 s=44
